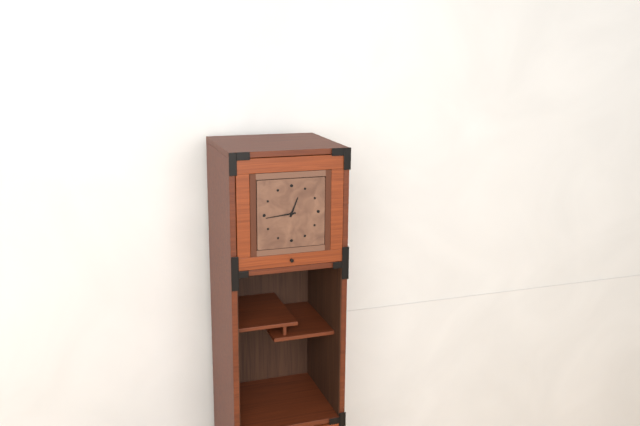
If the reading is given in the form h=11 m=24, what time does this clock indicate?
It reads h=12 m=44
